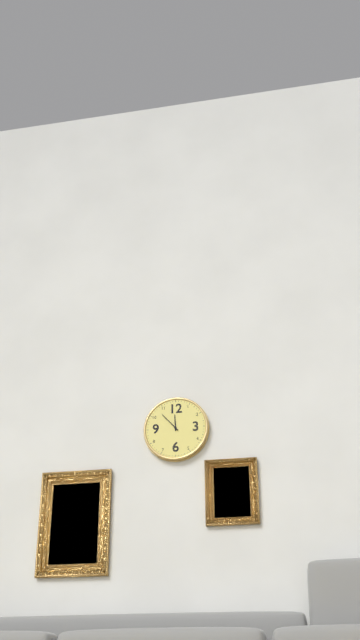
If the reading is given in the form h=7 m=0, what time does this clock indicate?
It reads h=11 m=53
